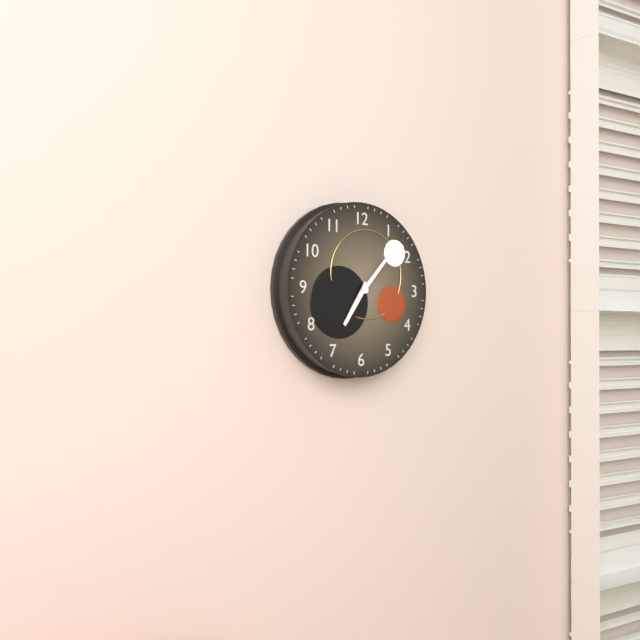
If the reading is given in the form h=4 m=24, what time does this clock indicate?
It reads h=7 m=7
